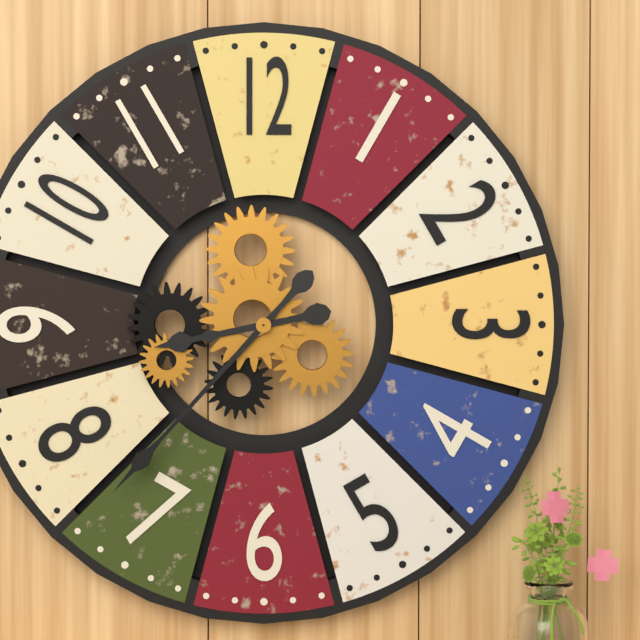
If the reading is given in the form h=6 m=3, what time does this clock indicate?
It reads h=8 m=37
